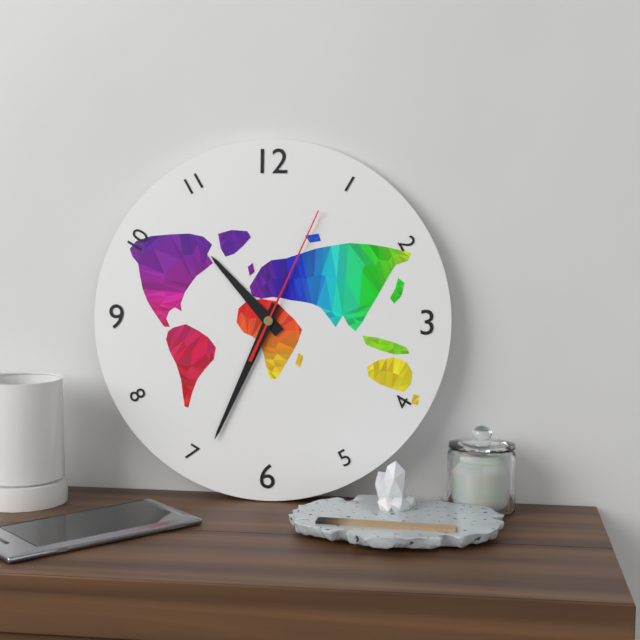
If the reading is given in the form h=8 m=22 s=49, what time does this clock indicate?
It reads h=10 m=34 s=4
